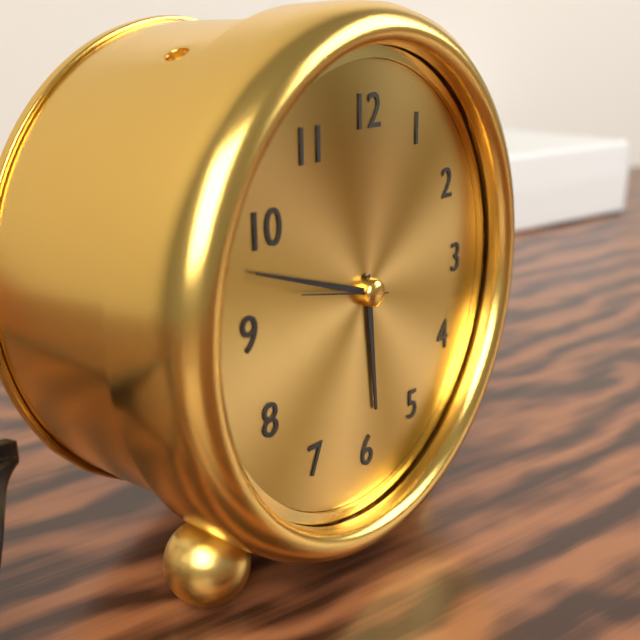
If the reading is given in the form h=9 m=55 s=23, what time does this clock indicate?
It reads h=5 m=48 s=47
